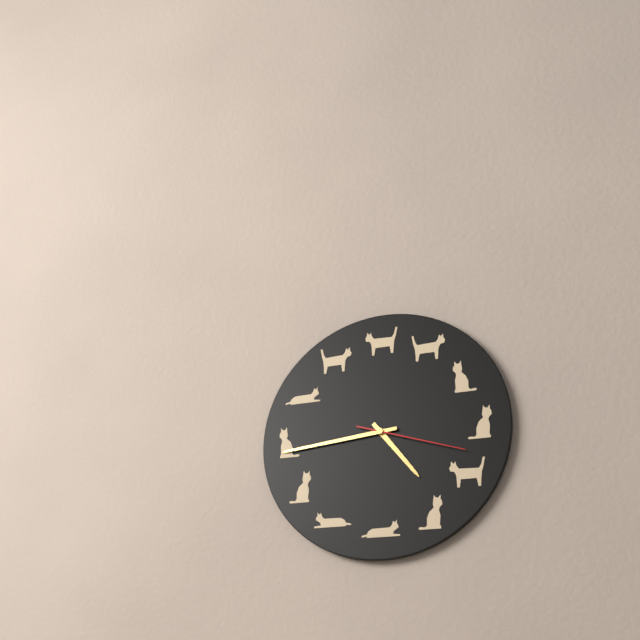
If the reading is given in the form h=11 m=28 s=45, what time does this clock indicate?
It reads h=4 m=44 s=18
